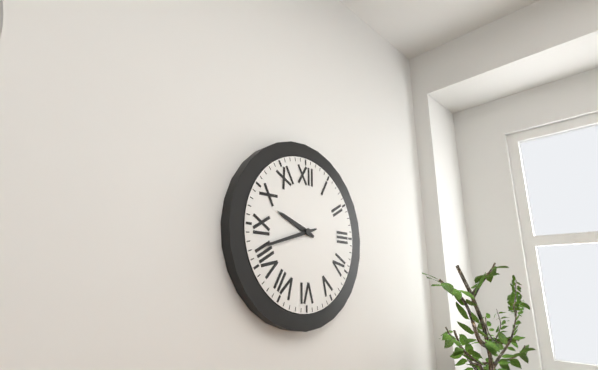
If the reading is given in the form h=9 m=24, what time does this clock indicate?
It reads h=9 m=42
